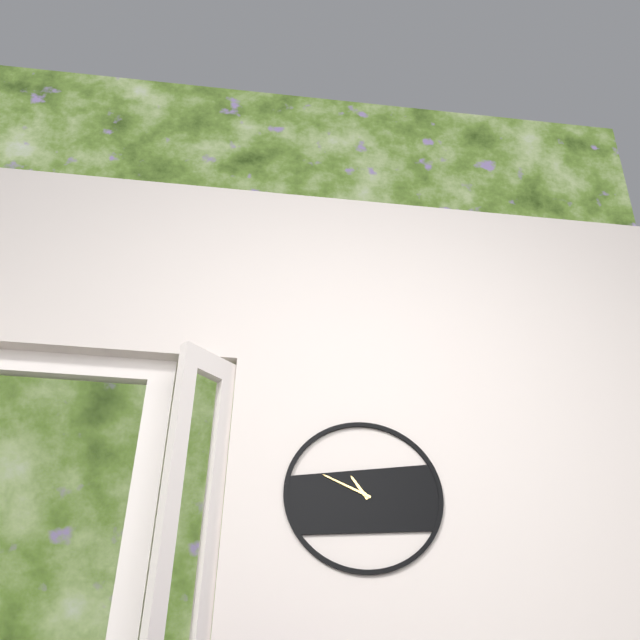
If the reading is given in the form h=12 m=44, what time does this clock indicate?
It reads h=10 m=49
